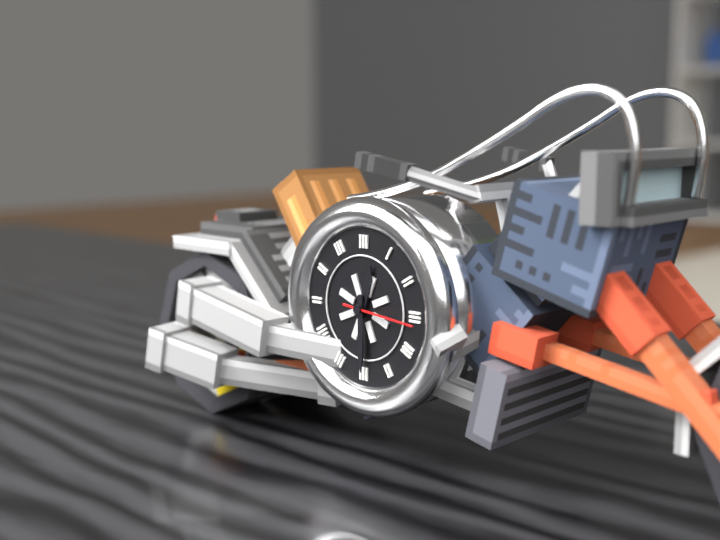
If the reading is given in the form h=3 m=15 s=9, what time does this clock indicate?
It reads h=12 m=30 s=16
